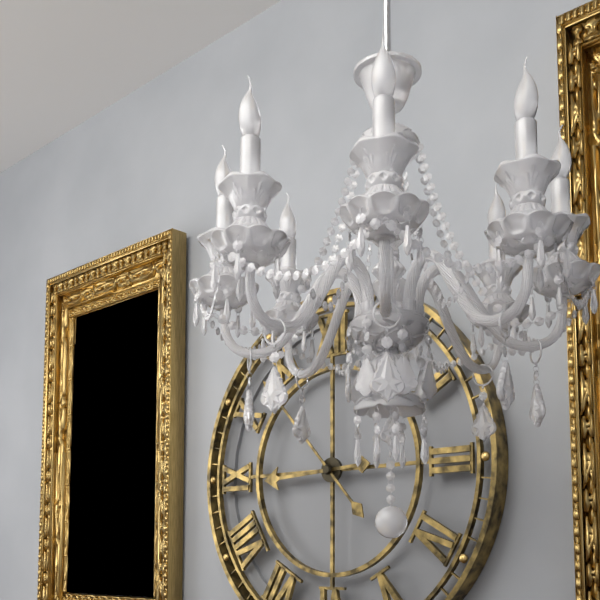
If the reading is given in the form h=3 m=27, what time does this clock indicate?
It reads h=8 m=53
